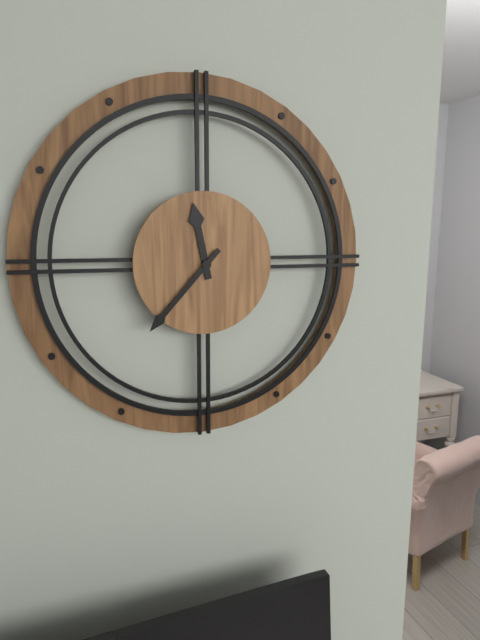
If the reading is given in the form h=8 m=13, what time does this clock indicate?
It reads h=11 m=37
